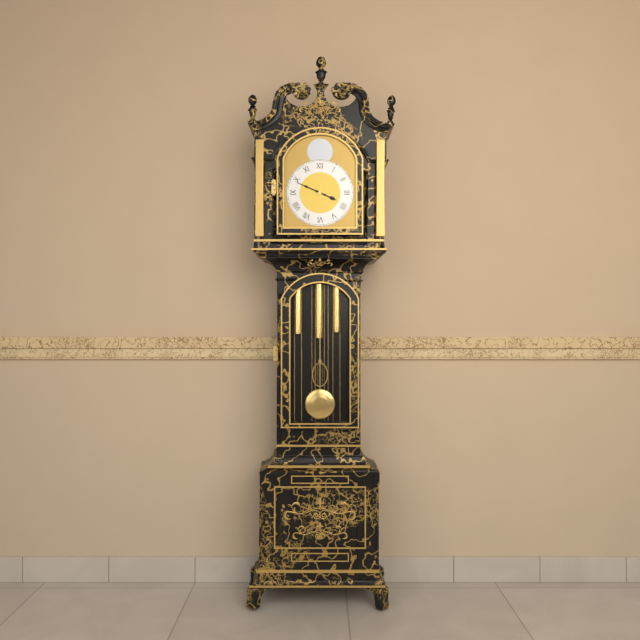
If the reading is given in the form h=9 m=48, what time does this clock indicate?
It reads h=3 m=49
